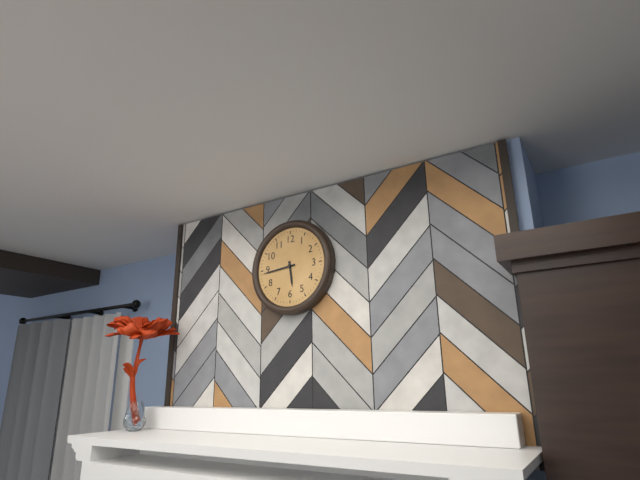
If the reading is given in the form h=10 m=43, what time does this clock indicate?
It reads h=5 m=44
